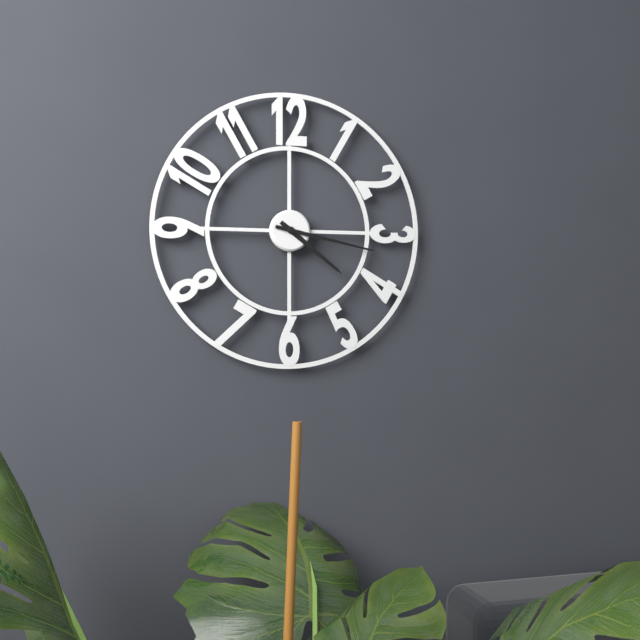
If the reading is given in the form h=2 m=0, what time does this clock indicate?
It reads h=4 m=17
